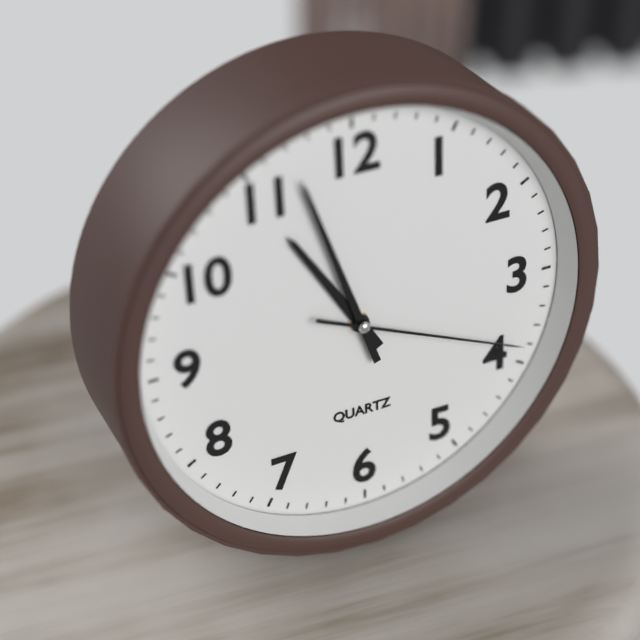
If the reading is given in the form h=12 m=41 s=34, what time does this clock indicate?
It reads h=10 m=57 s=19
